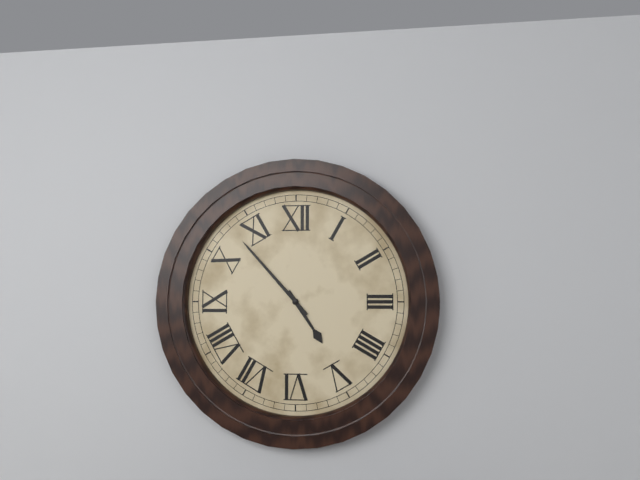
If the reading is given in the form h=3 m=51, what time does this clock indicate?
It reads h=4 m=53
